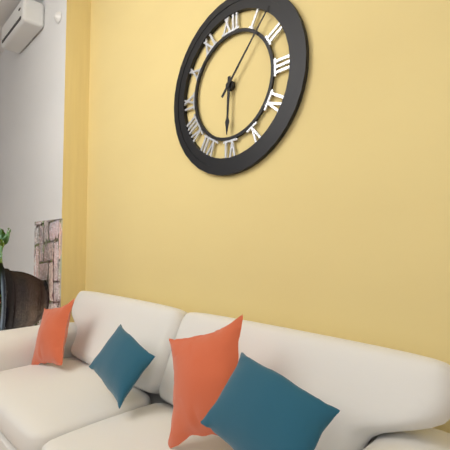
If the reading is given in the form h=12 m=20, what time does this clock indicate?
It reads h=6 m=7
